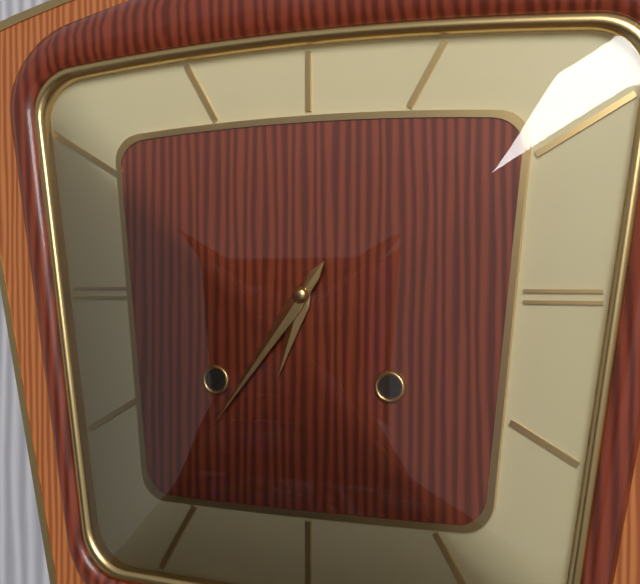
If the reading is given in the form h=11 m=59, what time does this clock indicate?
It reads h=6 m=36
